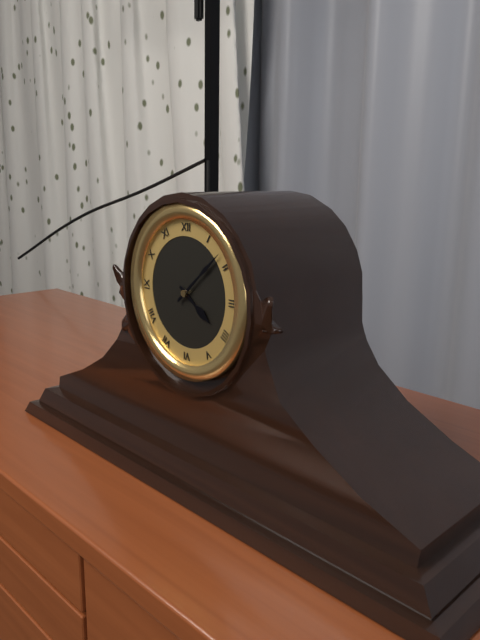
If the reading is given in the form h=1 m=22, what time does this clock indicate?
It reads h=4 m=8
